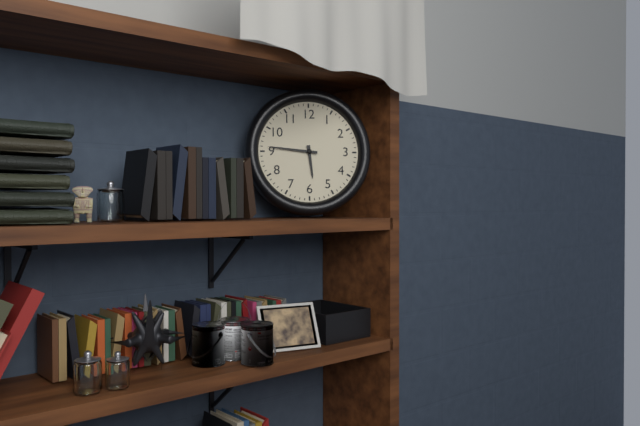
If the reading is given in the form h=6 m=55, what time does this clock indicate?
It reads h=5 m=46
